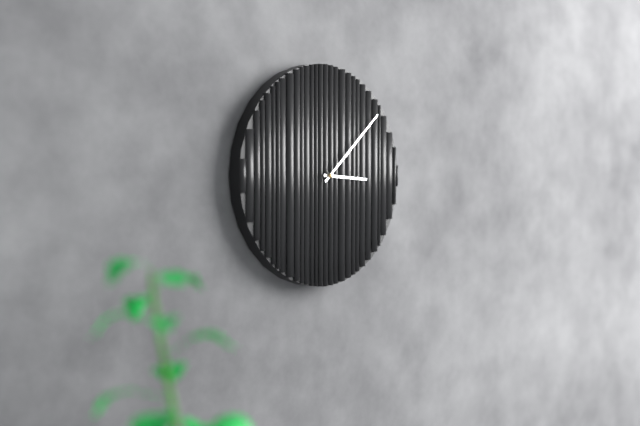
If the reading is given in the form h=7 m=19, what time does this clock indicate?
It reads h=3 m=8
